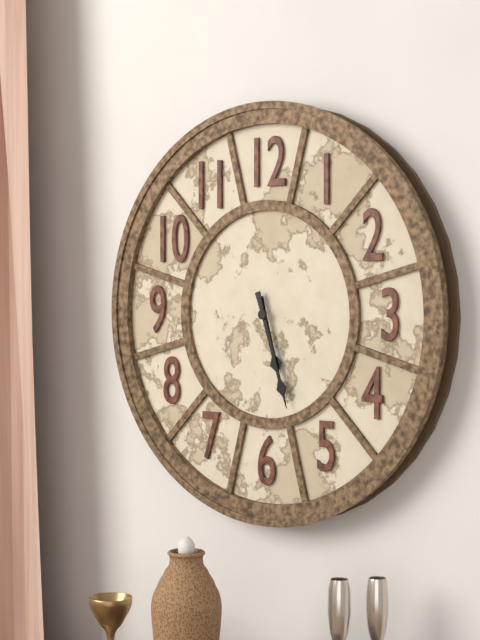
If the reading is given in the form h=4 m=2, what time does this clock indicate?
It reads h=5 m=27
